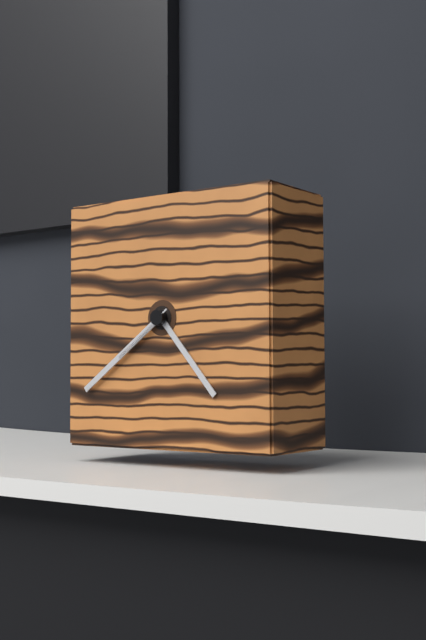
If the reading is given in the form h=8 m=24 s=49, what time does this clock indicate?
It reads h=4 m=39 s=39
